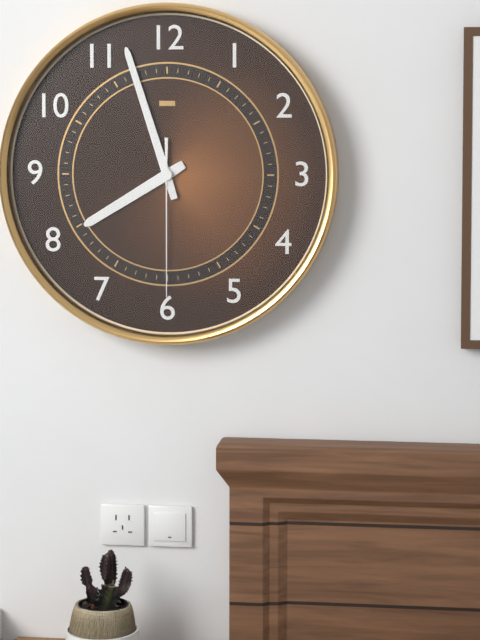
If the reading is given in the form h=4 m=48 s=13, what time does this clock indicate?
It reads h=7 m=57 s=30
